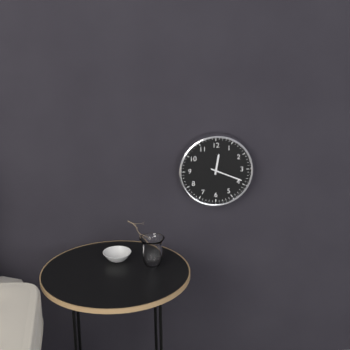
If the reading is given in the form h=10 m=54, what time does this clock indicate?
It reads h=12 m=19
